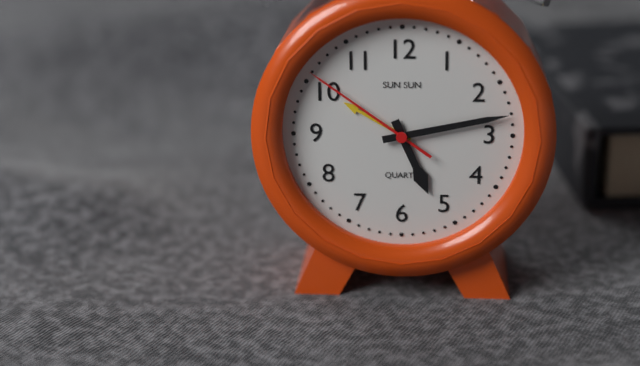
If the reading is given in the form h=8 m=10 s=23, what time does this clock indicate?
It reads h=5 m=13 s=51
